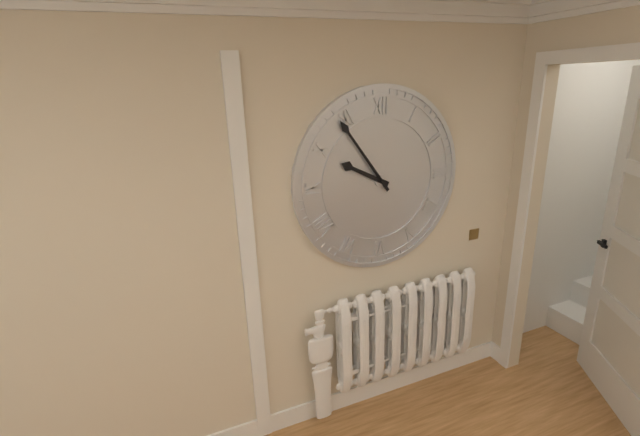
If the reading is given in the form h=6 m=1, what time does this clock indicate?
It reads h=9 m=54
